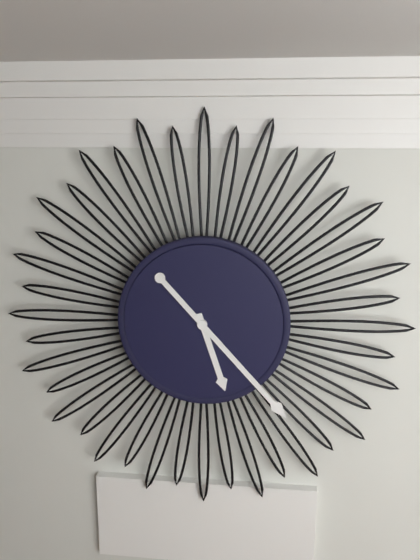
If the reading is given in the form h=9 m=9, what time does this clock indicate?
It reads h=5 m=23
